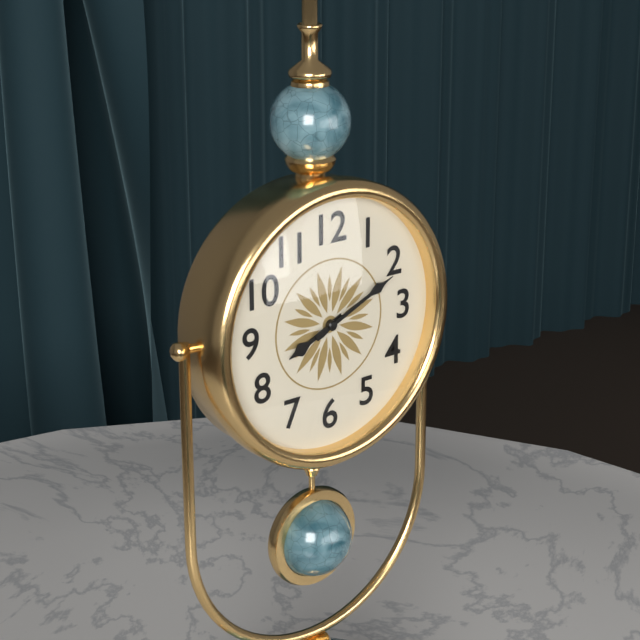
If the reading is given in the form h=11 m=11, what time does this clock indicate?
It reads h=8 m=11
